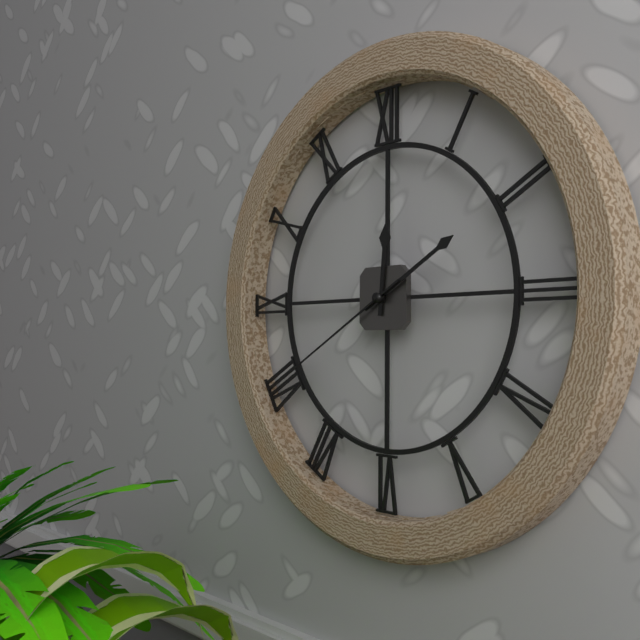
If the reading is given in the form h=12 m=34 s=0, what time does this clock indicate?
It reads h=12 m=10 s=40
